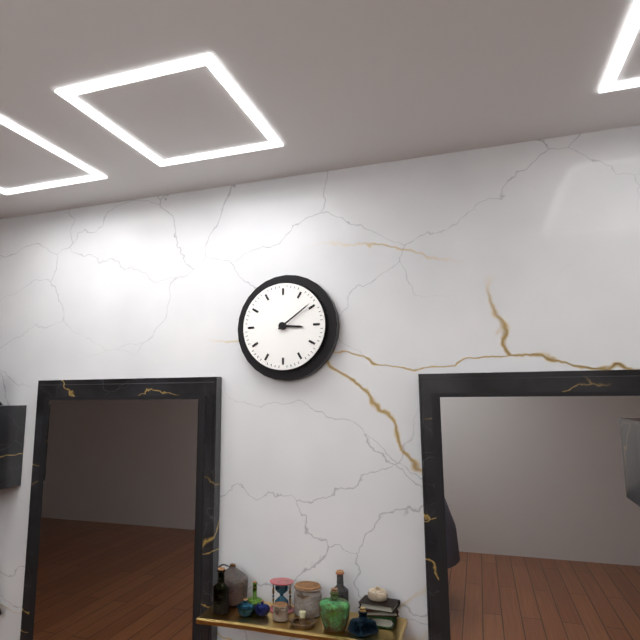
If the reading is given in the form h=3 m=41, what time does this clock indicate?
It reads h=3 m=9
